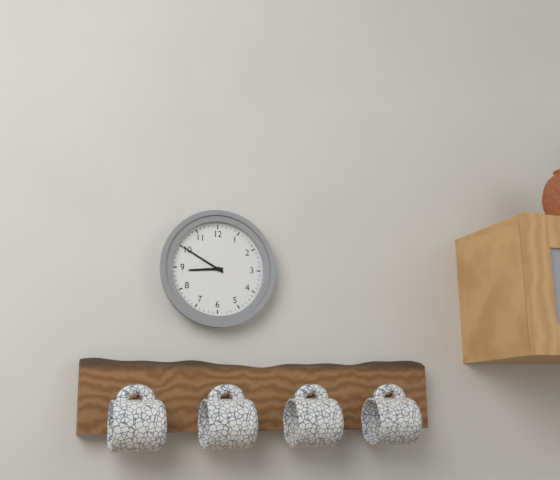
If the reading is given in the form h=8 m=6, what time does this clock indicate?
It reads h=8 m=50
